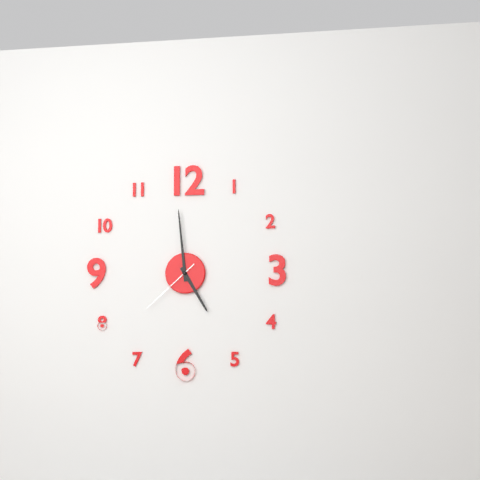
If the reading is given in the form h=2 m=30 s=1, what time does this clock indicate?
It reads h=4 m=59 s=38
